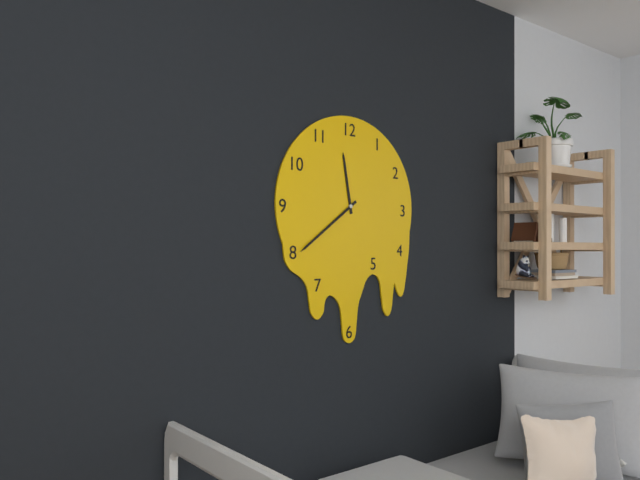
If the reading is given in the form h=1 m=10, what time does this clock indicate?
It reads h=11 m=39
